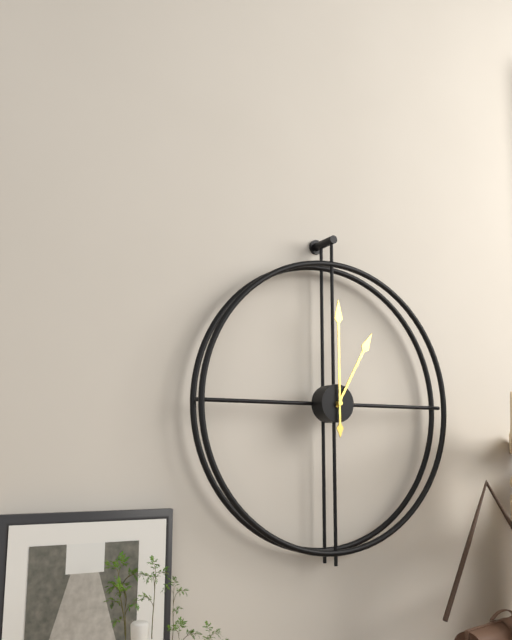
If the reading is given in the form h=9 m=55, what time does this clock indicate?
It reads h=1 m=0
